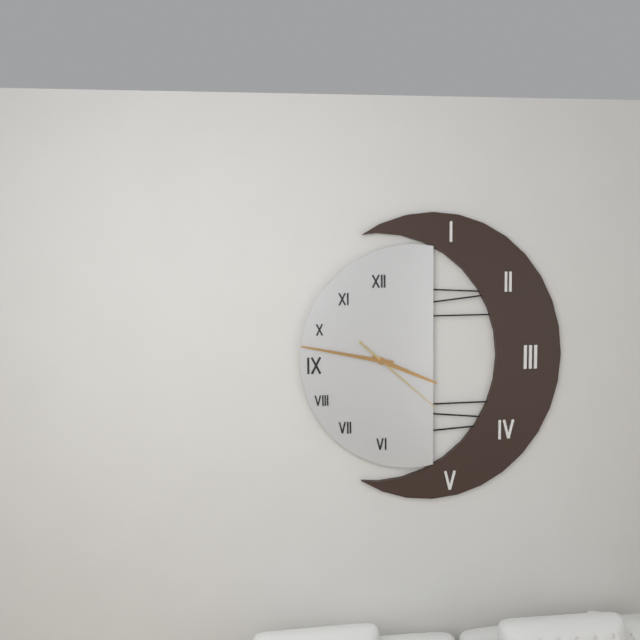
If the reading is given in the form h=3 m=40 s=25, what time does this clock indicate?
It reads h=3 m=47 s=22
